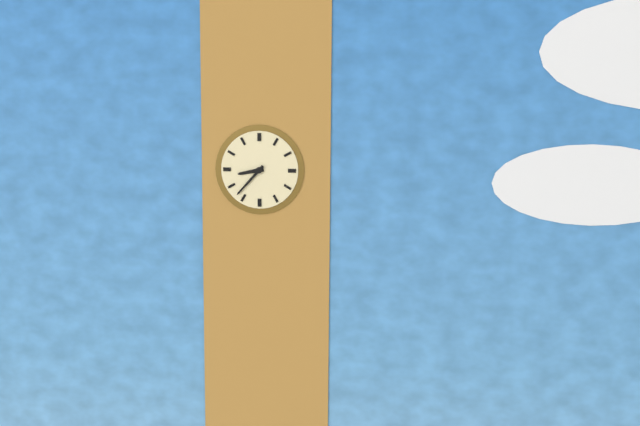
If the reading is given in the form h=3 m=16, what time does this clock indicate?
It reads h=8 m=37
